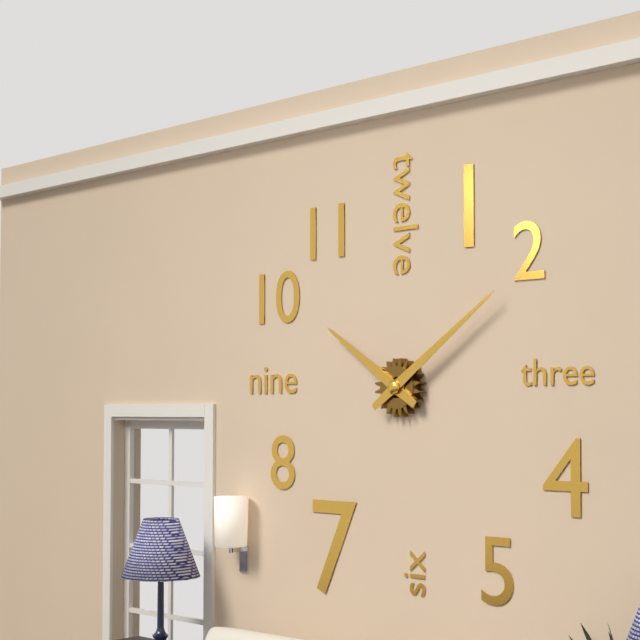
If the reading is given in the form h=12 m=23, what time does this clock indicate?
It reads h=10 m=9
